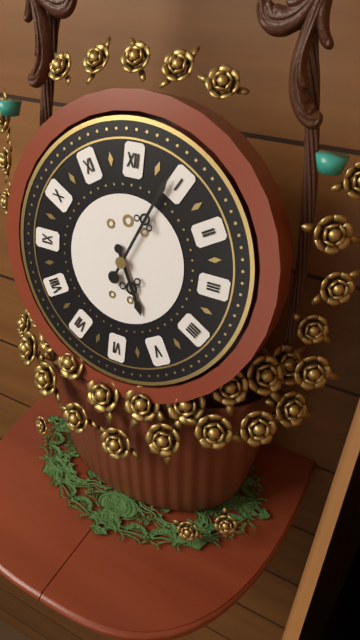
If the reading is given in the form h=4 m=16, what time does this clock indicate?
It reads h=5 m=4
